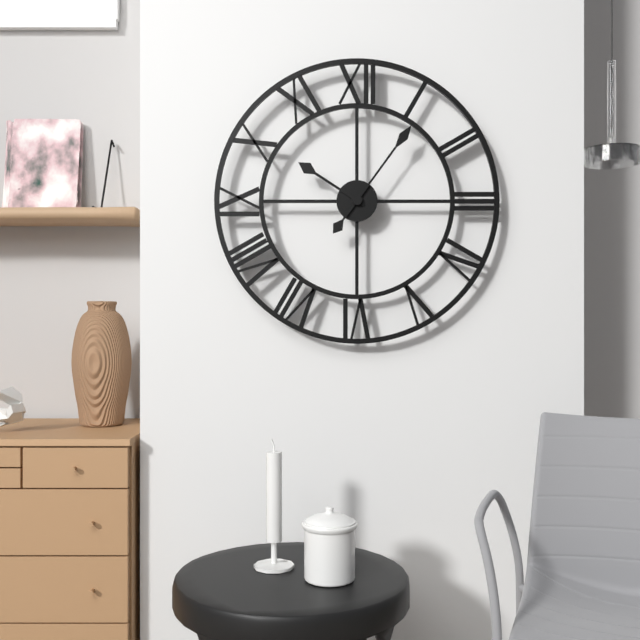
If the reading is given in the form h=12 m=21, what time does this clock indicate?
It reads h=10 m=6
